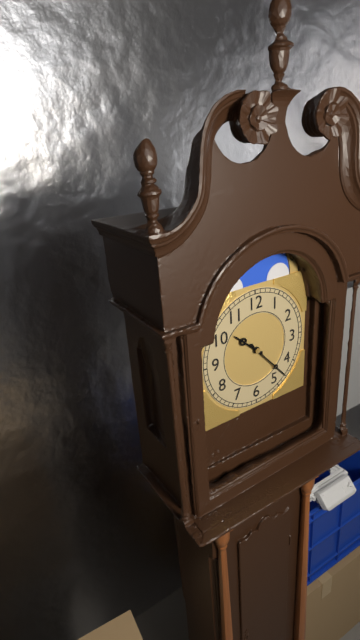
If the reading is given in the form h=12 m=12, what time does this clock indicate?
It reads h=10 m=23
